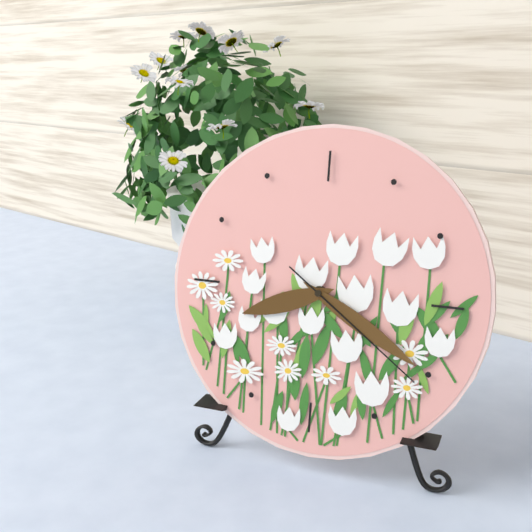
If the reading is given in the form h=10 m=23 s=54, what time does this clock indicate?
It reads h=8 m=20 s=21
